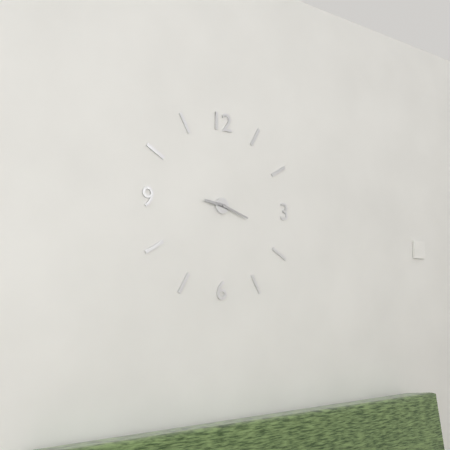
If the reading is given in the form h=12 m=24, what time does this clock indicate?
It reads h=9 m=18
